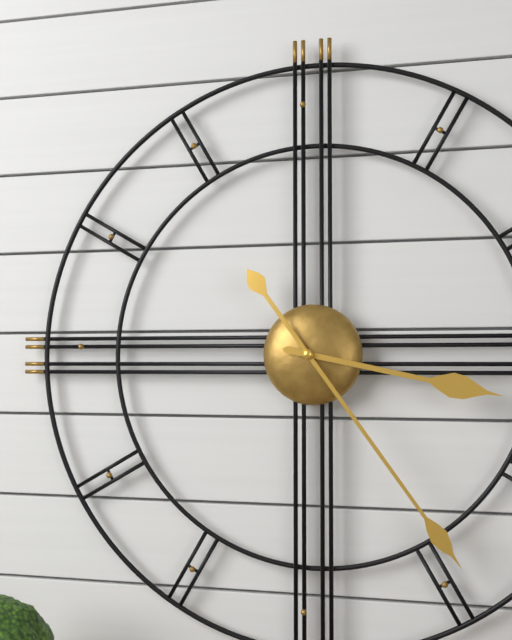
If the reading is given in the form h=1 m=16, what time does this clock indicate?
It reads h=3 m=24
